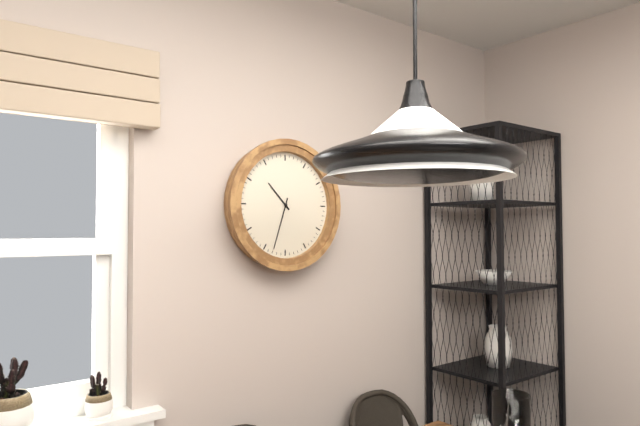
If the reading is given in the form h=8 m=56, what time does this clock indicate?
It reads h=10 m=33
